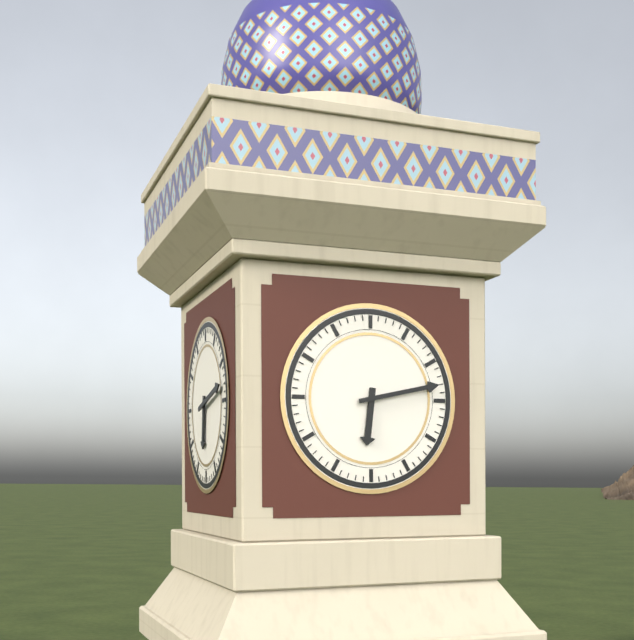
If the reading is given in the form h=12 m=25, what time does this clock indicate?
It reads h=6 m=13
